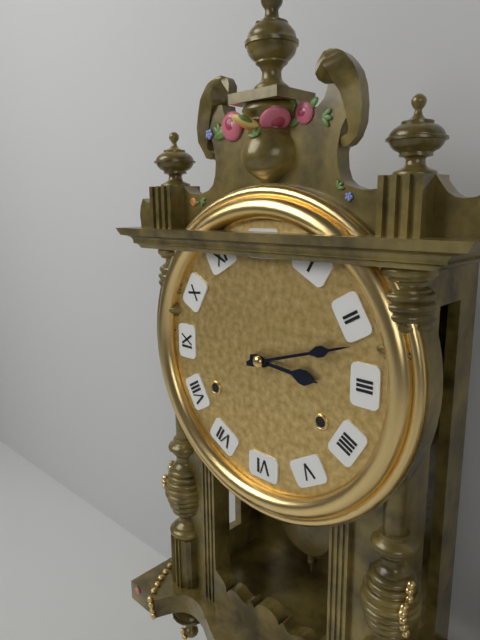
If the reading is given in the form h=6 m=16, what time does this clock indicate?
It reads h=3 m=12
